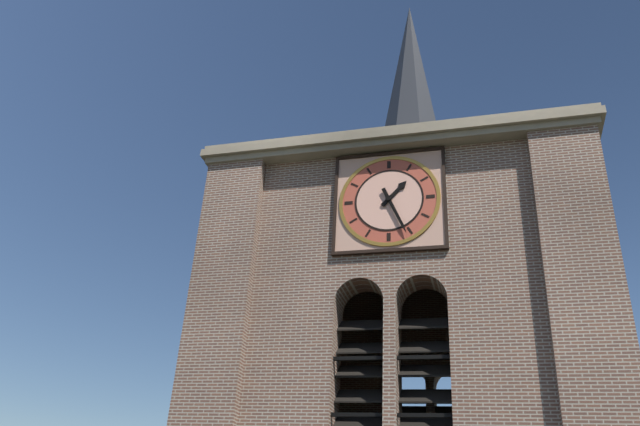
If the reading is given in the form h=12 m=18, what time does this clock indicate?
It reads h=1 m=26
